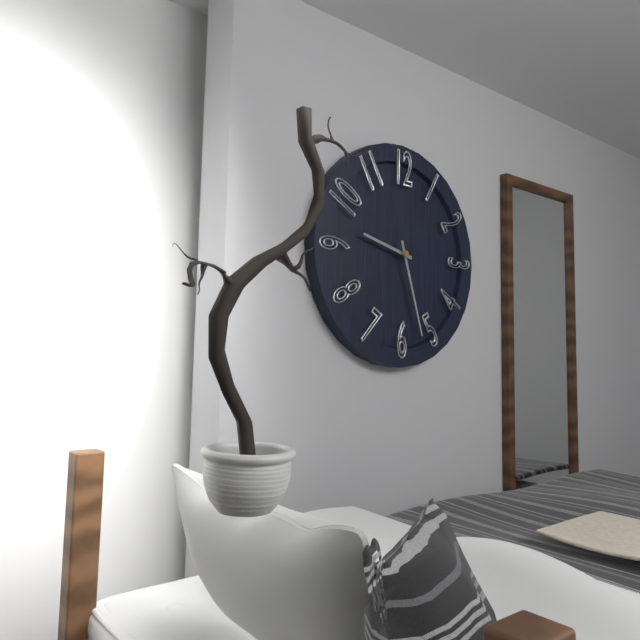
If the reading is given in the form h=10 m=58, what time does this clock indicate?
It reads h=9 m=27
